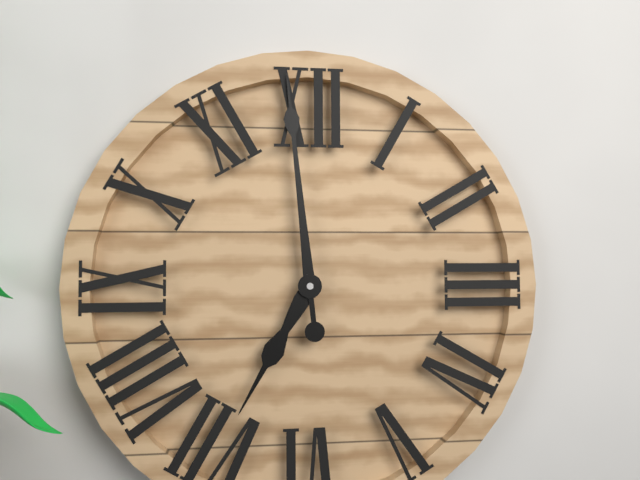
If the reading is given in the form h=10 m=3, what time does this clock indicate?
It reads h=6 m=59
